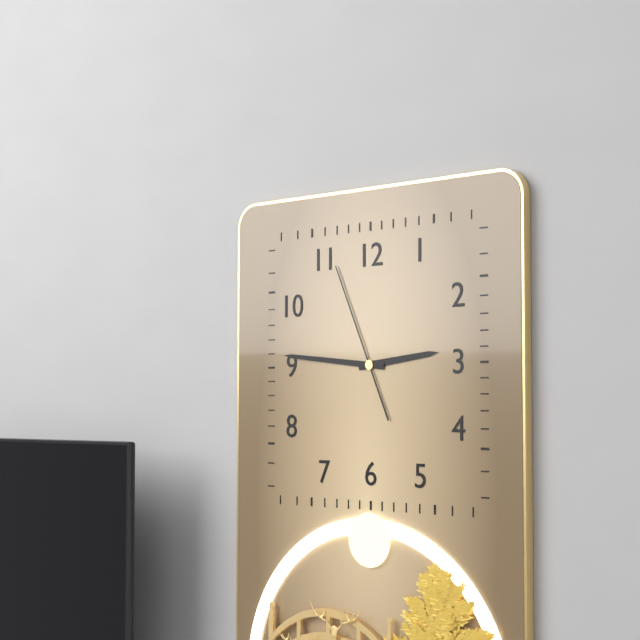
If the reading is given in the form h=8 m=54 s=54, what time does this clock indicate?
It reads h=2 m=46 s=56
